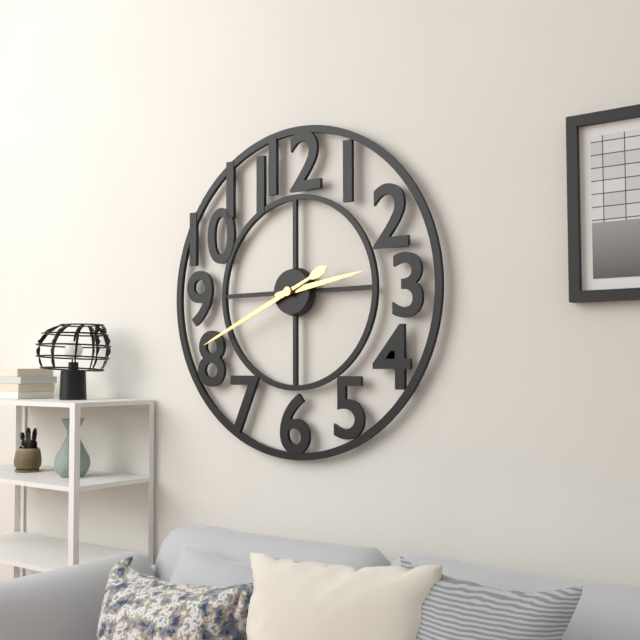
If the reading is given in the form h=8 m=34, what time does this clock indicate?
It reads h=2 m=41
